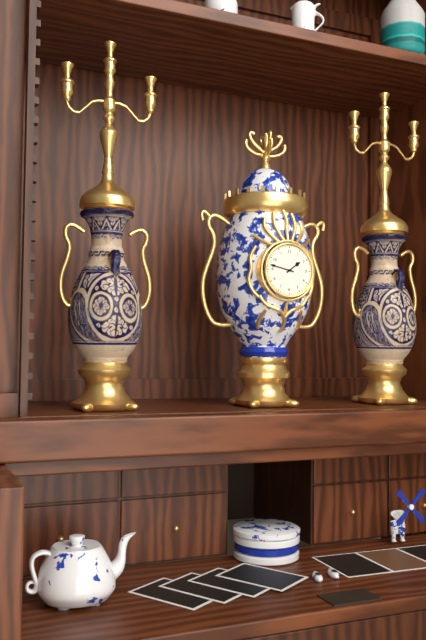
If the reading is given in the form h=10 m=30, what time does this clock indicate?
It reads h=1 m=47
